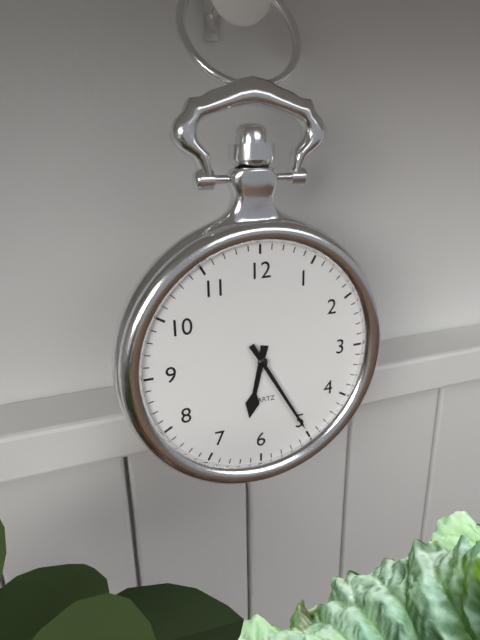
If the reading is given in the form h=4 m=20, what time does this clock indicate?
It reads h=6 m=25
